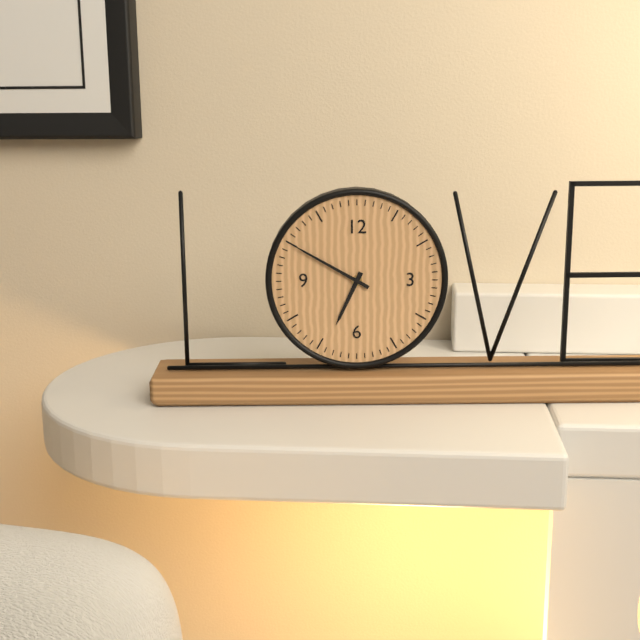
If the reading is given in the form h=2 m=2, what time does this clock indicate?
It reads h=6 m=50
